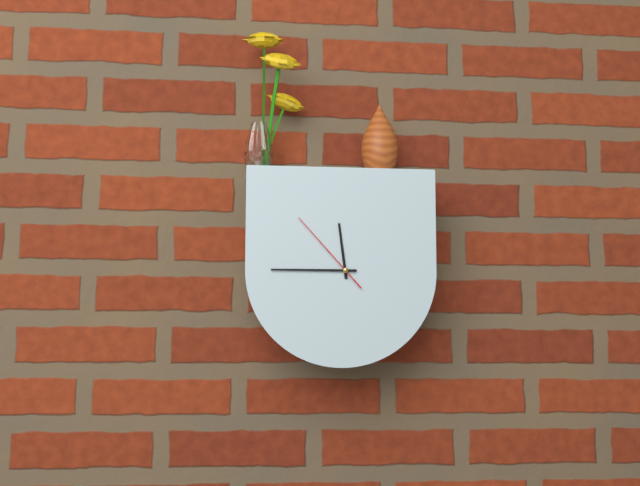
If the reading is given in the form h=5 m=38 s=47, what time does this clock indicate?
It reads h=11 m=45 s=53
